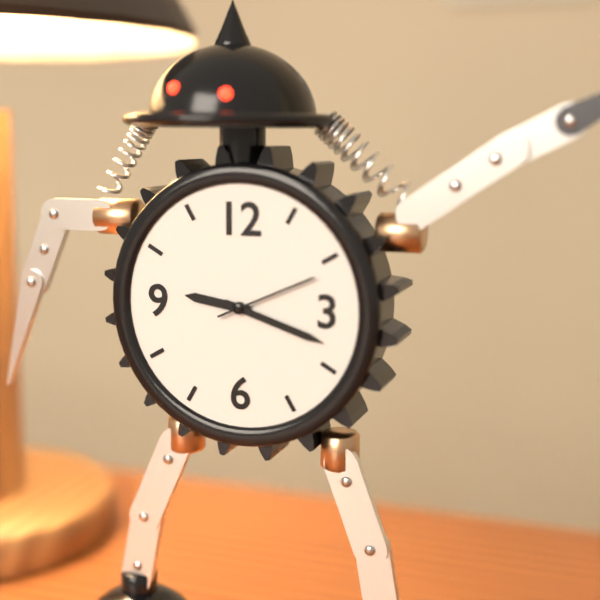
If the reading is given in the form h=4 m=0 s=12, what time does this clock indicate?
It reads h=9 m=18 s=11
